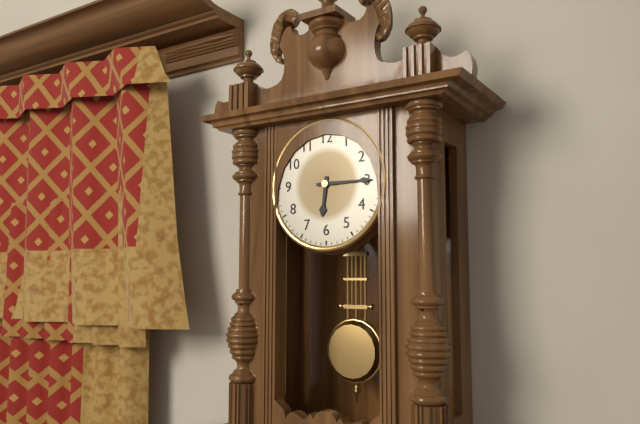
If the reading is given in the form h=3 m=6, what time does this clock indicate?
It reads h=6 m=15
